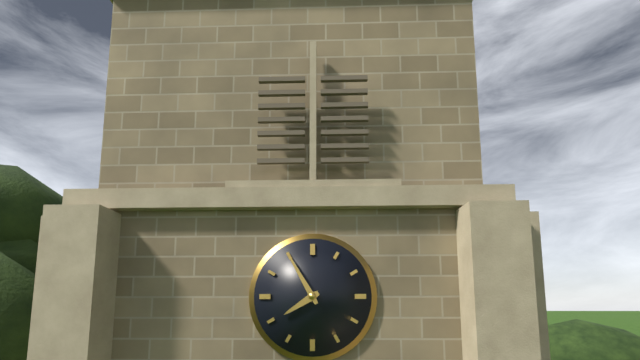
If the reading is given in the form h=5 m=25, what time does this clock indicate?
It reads h=7 m=55
